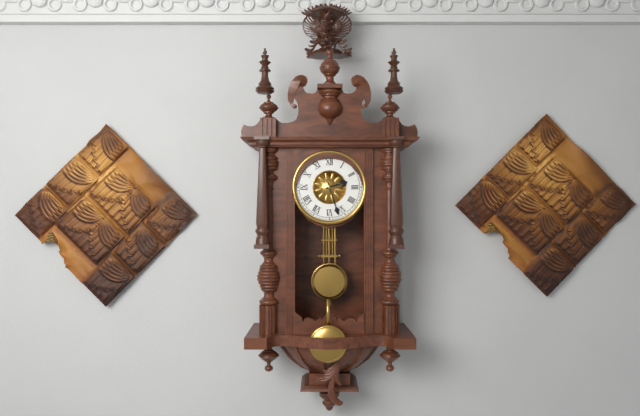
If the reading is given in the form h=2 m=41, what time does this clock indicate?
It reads h=2 m=27
